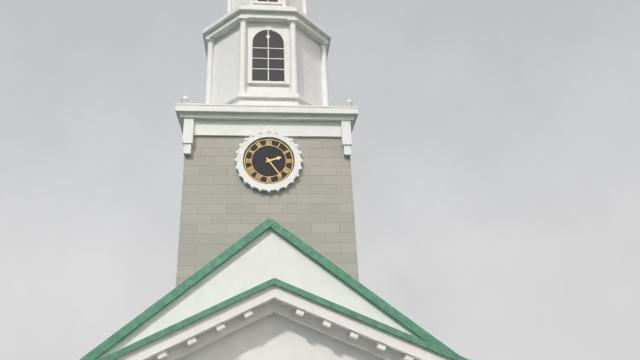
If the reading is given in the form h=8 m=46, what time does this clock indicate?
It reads h=2 m=24
